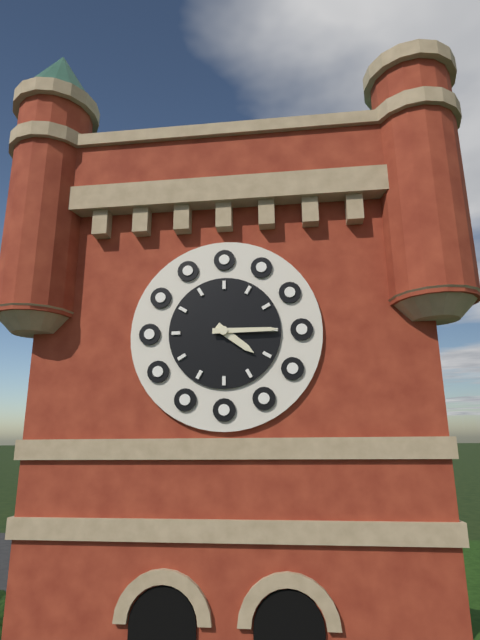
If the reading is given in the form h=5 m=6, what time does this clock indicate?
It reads h=4 m=15
